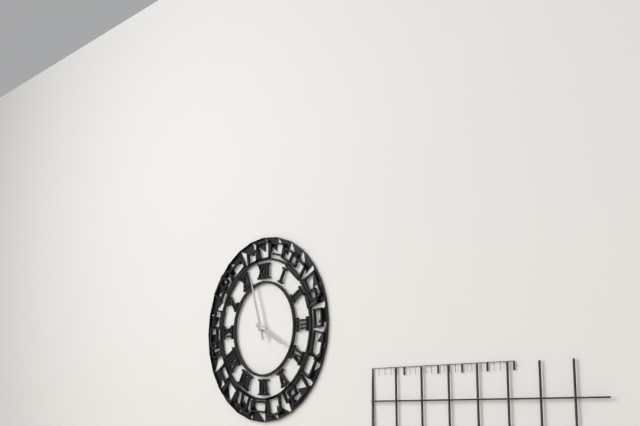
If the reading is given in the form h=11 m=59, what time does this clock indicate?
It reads h=3 m=57
